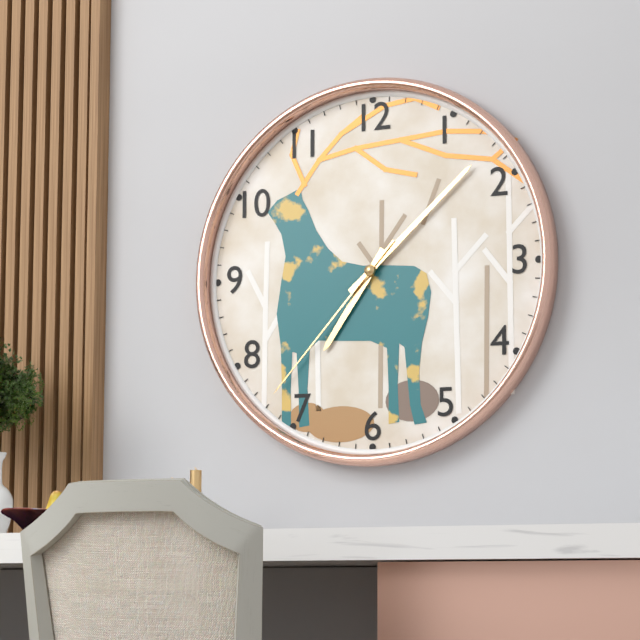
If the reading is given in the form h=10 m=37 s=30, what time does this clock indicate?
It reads h=7 m=8 s=37
